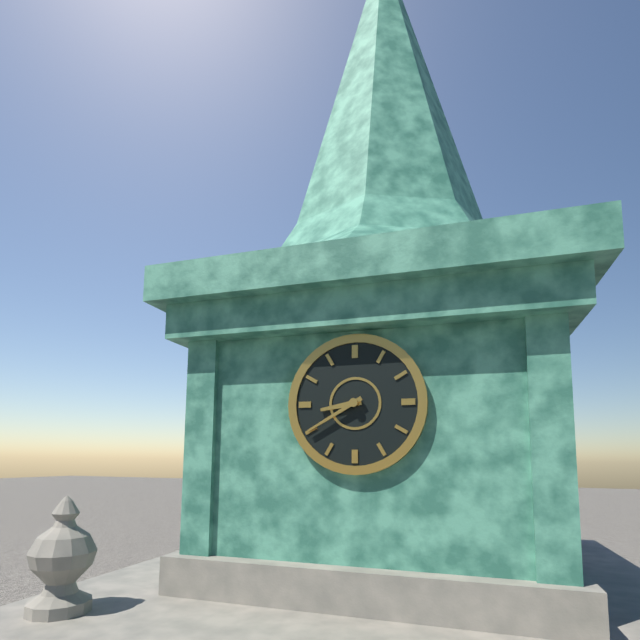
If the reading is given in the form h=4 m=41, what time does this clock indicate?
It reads h=8 m=40
